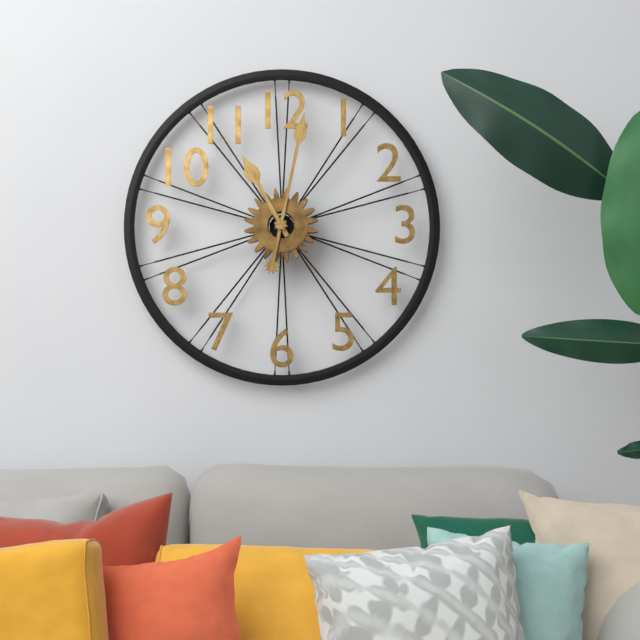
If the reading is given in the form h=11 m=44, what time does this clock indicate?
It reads h=11 m=2
